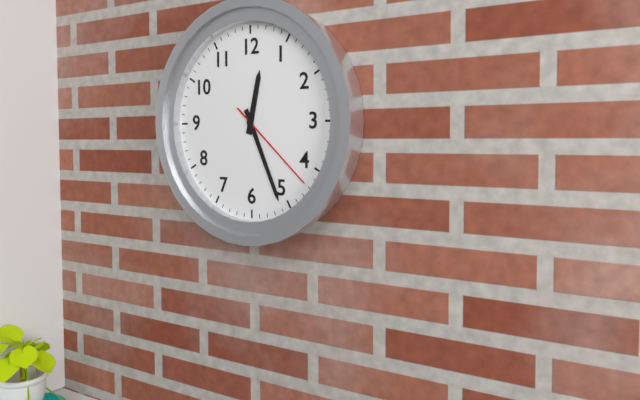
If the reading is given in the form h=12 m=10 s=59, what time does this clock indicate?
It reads h=12 m=26 s=22
